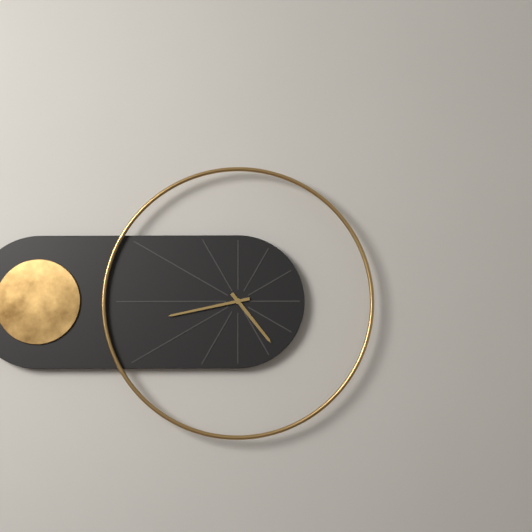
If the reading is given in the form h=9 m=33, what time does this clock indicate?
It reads h=4 m=43
